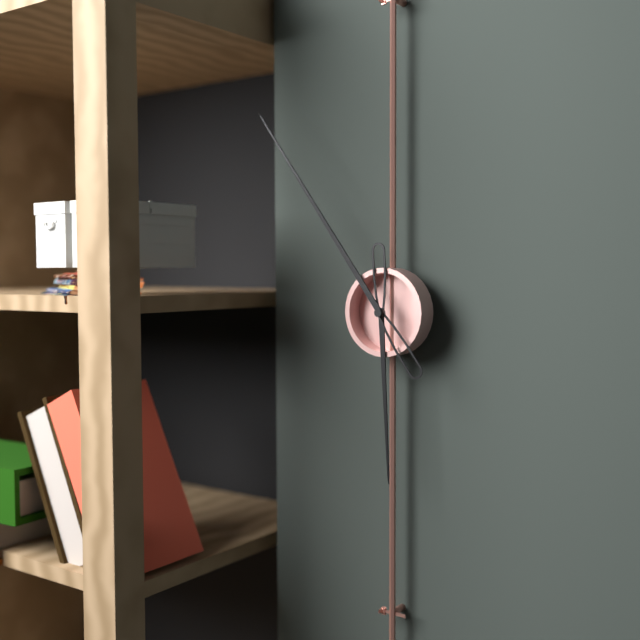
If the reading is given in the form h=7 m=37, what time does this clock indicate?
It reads h=5 m=54
